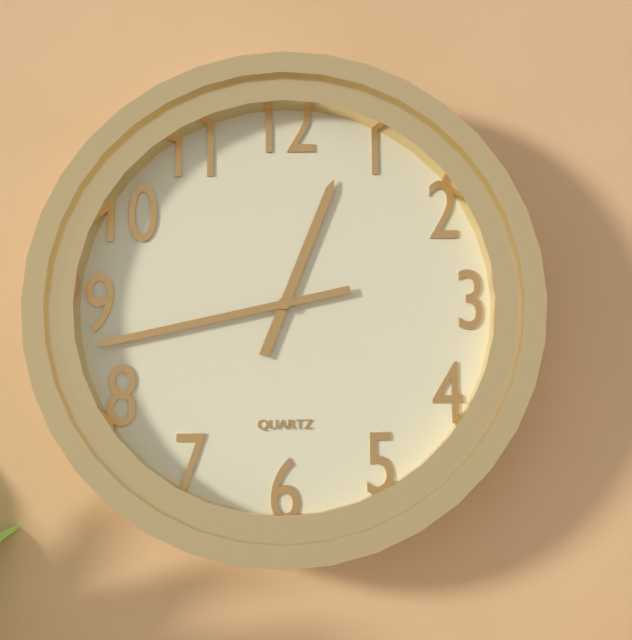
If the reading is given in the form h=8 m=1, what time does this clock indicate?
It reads h=12 m=43
